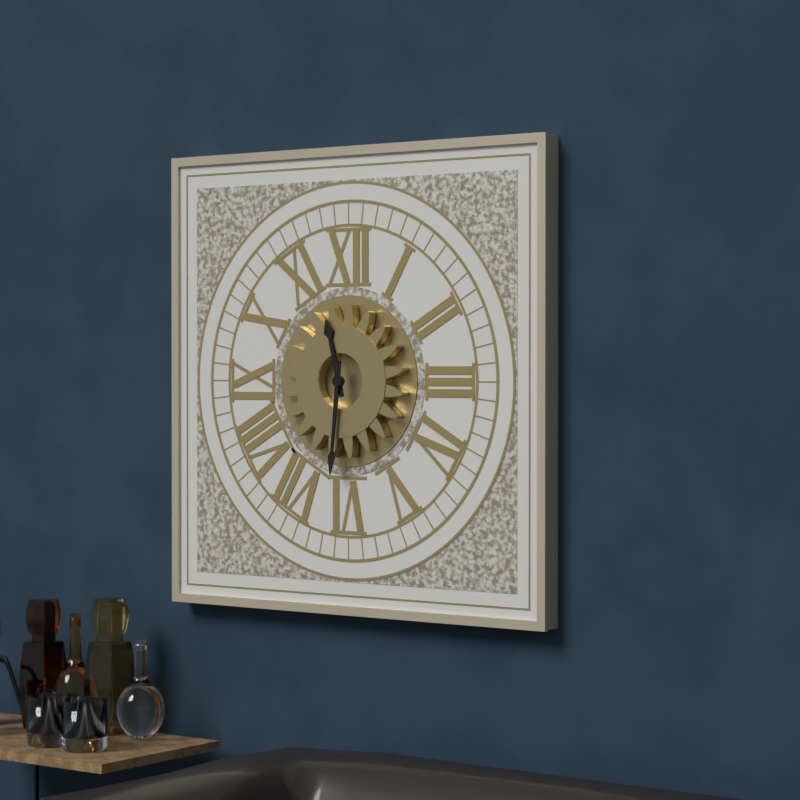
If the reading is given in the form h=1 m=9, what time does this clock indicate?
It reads h=11 m=31
